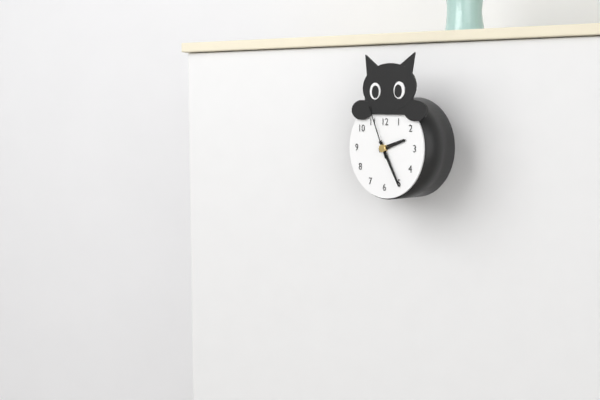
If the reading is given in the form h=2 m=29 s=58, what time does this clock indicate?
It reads h=2 m=25 s=56
